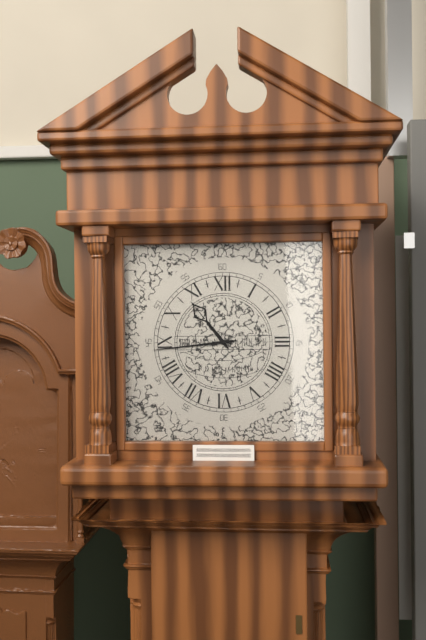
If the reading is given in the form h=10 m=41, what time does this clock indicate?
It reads h=10 m=44
